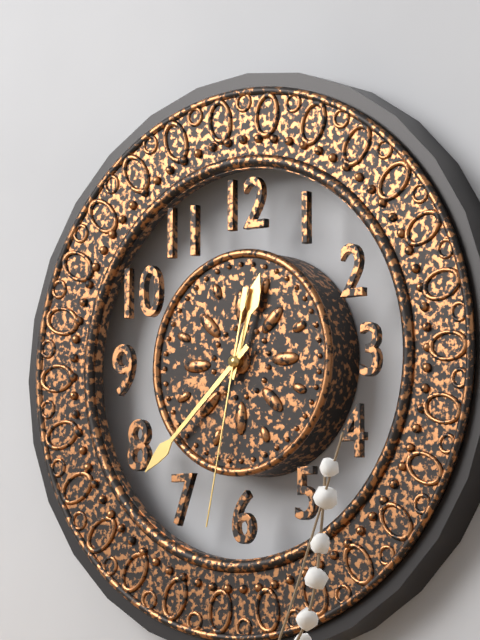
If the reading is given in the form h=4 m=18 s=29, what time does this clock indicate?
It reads h=12 m=38 s=32
